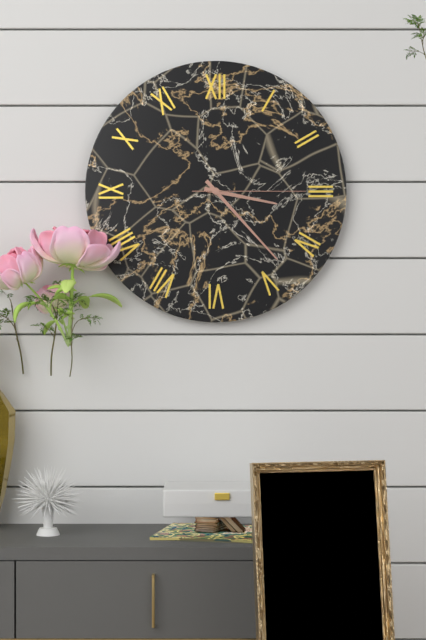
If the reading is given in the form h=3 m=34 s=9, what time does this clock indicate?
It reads h=3 m=23 s=15
